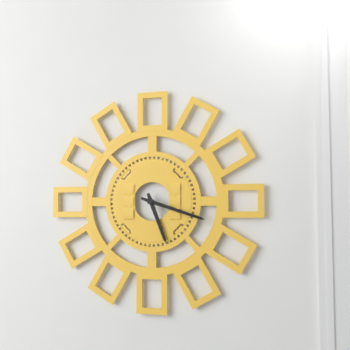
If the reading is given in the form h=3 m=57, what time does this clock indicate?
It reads h=5 m=18
